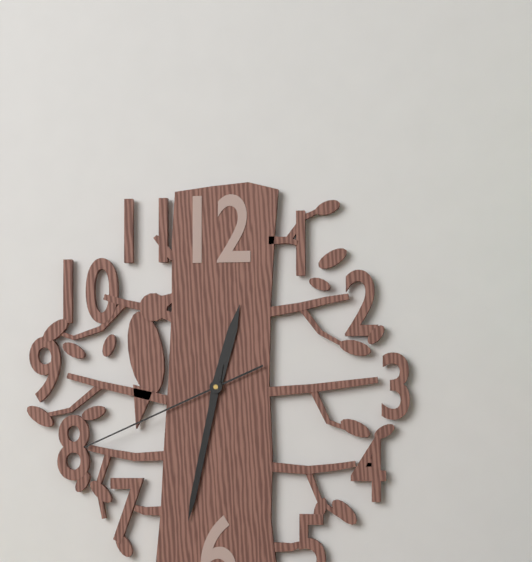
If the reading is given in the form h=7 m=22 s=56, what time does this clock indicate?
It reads h=12 m=32 s=41
